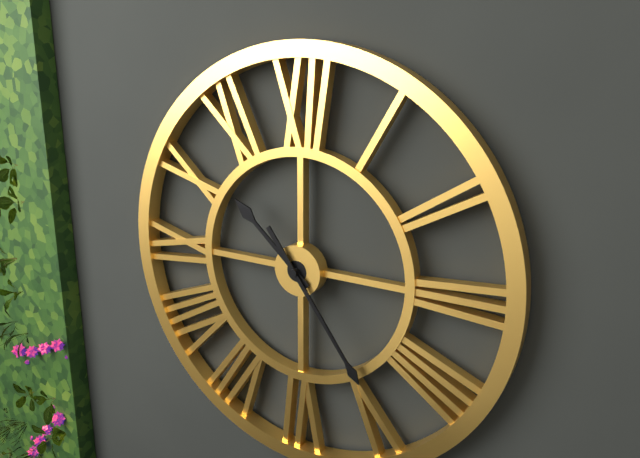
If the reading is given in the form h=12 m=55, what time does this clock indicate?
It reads h=10 m=24
